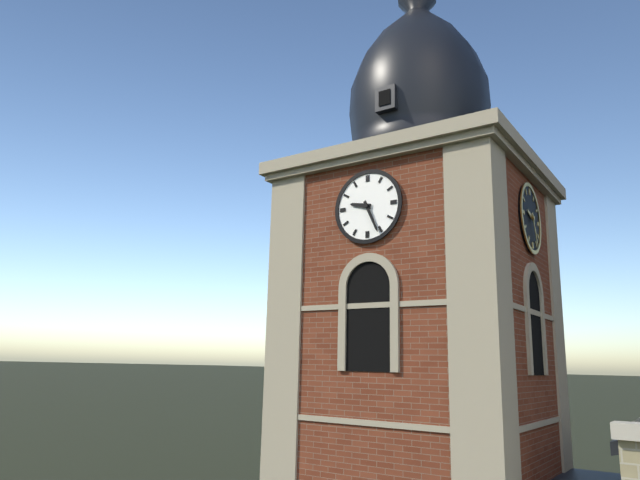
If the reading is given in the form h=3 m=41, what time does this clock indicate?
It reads h=9 m=26
